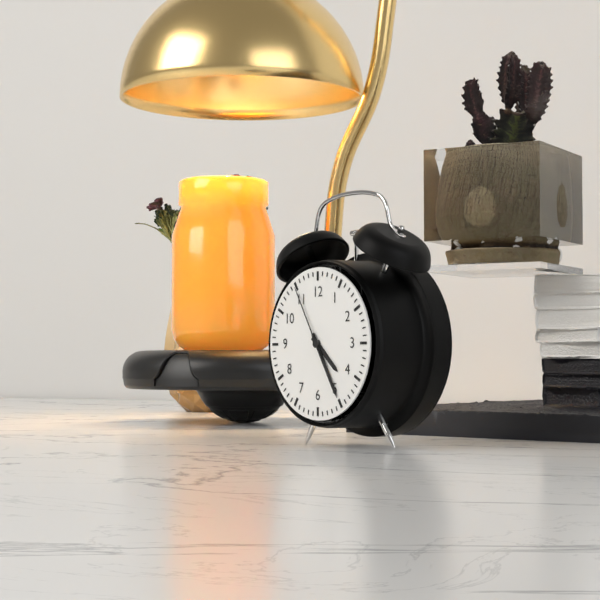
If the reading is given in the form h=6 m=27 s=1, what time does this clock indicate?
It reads h=4 m=25 s=55
